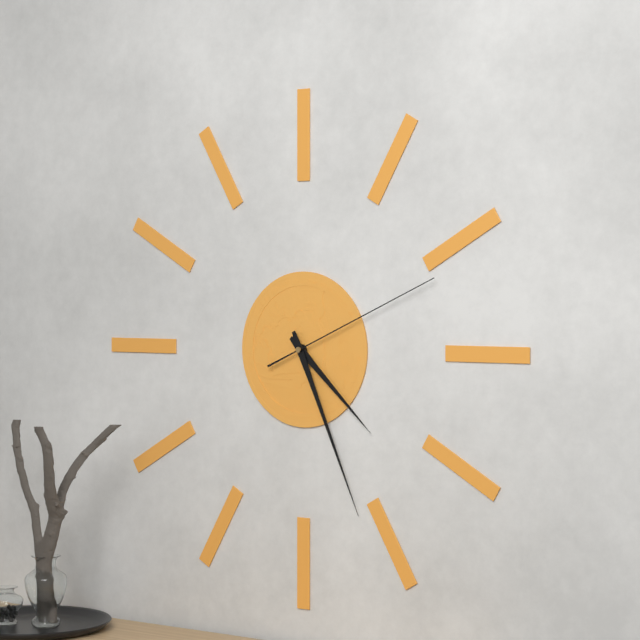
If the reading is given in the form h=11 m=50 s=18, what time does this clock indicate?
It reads h=4 m=26 s=11
